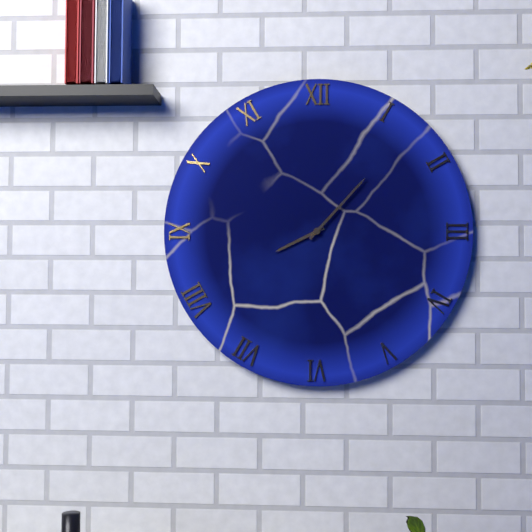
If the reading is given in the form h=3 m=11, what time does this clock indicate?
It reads h=8 m=7
